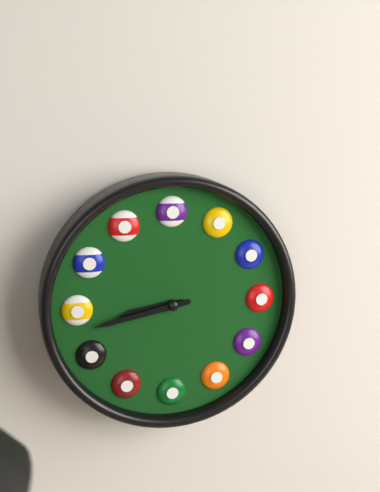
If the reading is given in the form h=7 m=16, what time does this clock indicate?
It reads h=8 m=43
